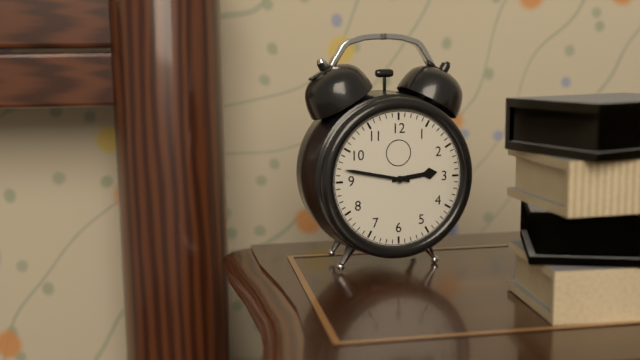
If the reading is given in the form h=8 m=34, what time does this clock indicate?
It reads h=2 m=47
